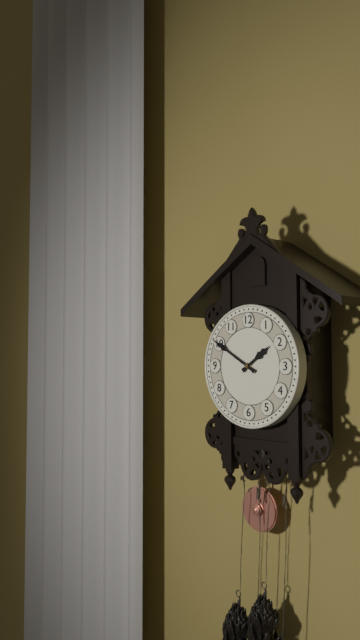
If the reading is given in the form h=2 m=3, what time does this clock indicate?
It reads h=1 m=50
